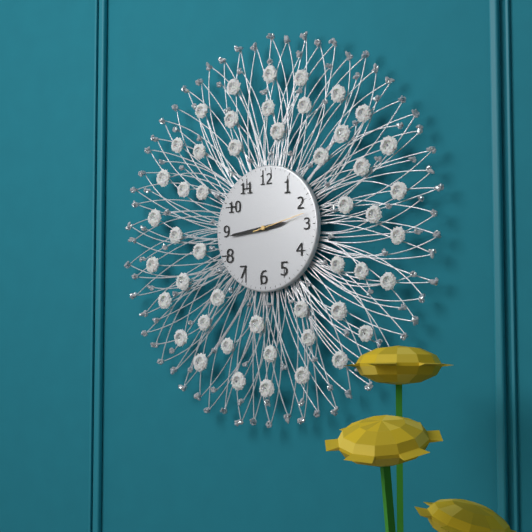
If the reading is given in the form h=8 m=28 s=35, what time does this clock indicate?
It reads h=2 m=44 s=13
